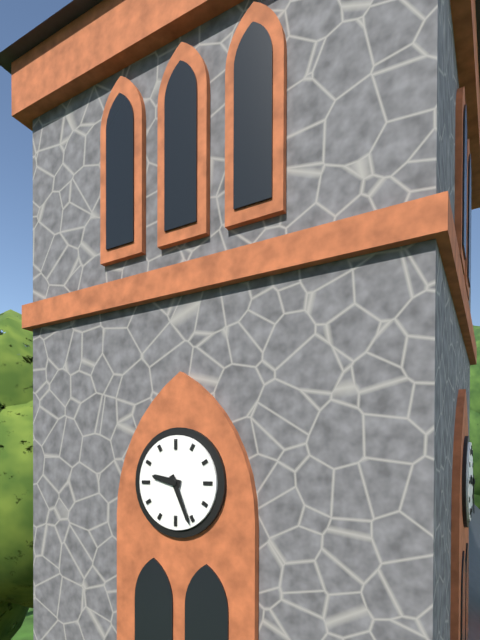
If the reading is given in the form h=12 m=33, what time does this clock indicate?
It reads h=9 m=26
